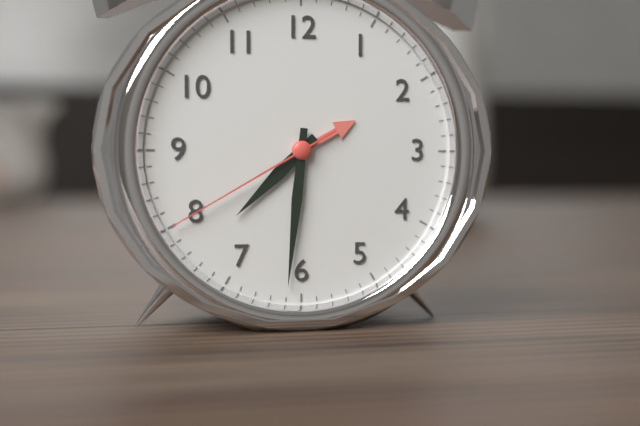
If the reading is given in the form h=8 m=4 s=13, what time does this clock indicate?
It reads h=7 m=31 s=40
